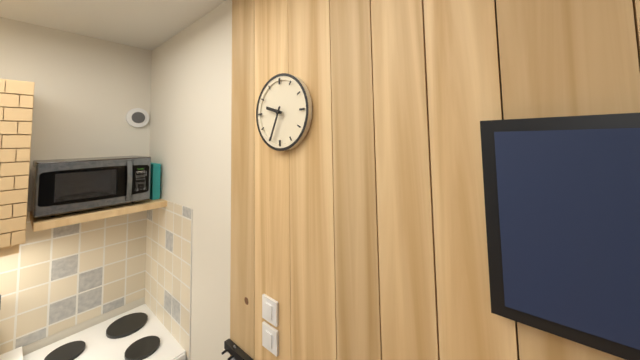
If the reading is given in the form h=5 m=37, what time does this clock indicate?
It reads h=9 m=34
